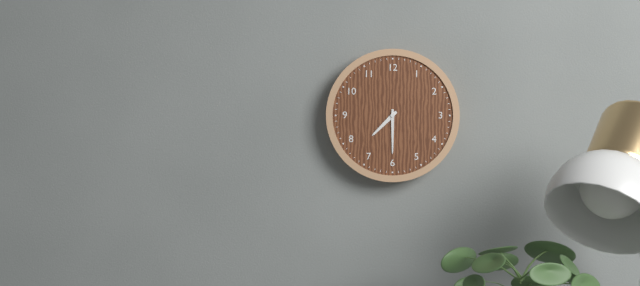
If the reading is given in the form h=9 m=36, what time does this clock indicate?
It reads h=7 m=30
